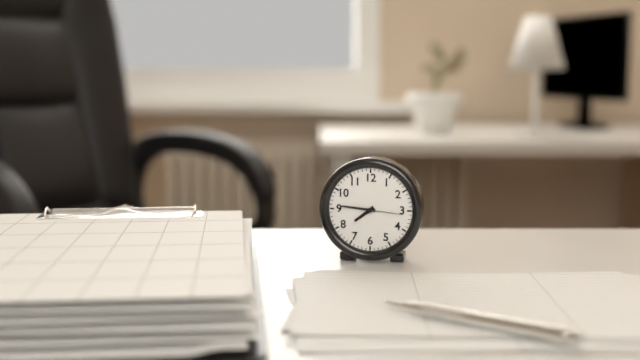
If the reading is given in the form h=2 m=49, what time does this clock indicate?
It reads h=7 m=46
